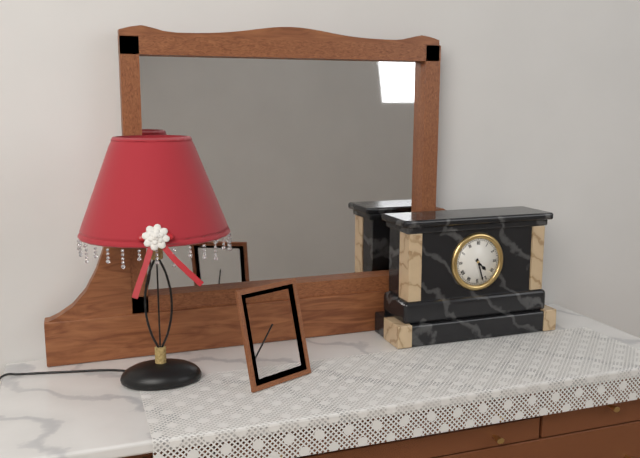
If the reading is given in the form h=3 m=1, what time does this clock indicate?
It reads h=4 m=27
